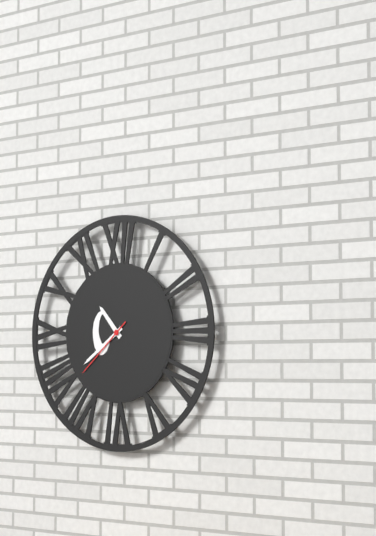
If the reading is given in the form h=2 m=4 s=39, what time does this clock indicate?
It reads h=10 m=39 s=38
